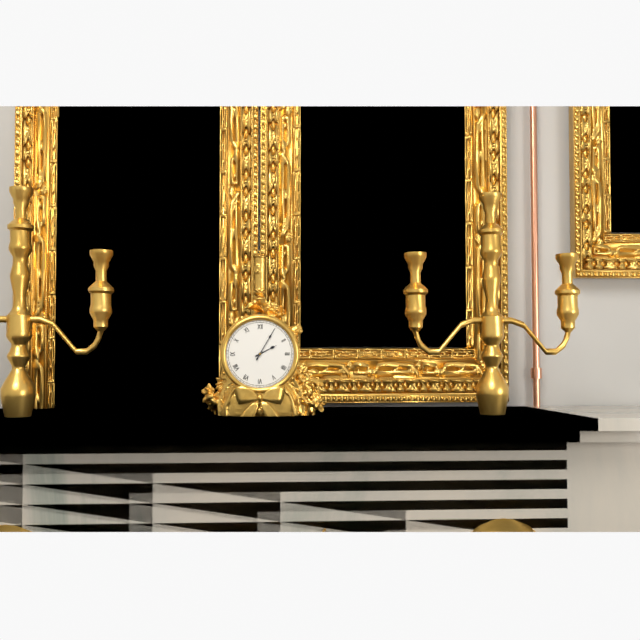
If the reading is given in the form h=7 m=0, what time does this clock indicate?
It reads h=2 m=5
